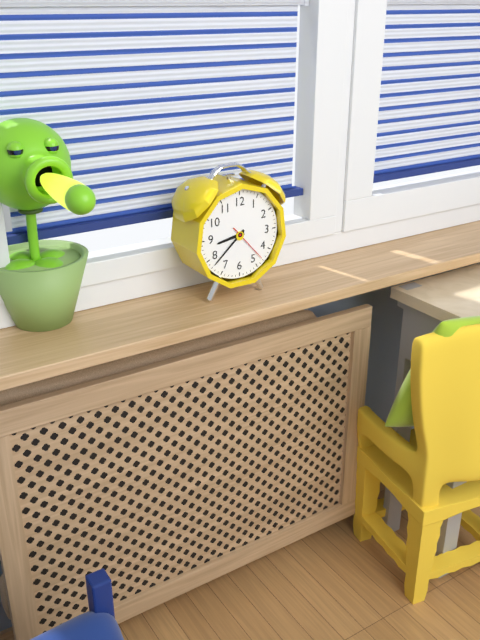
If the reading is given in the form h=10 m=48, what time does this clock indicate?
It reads h=8 m=38
